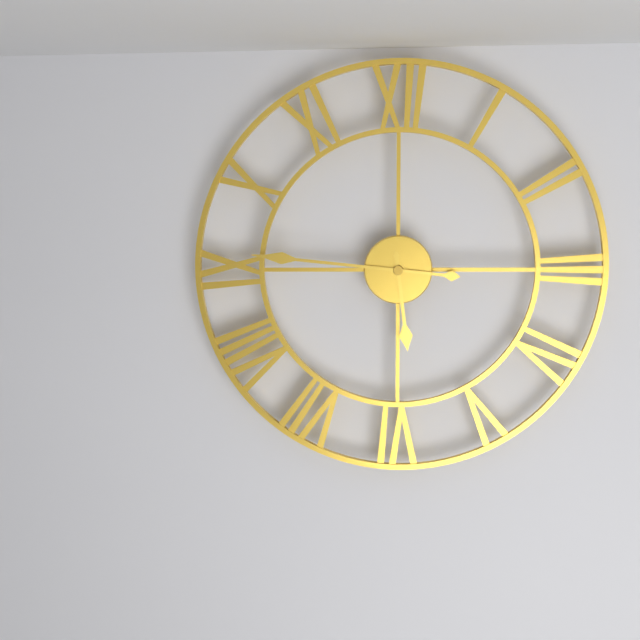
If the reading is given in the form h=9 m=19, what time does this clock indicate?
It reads h=5 m=46
